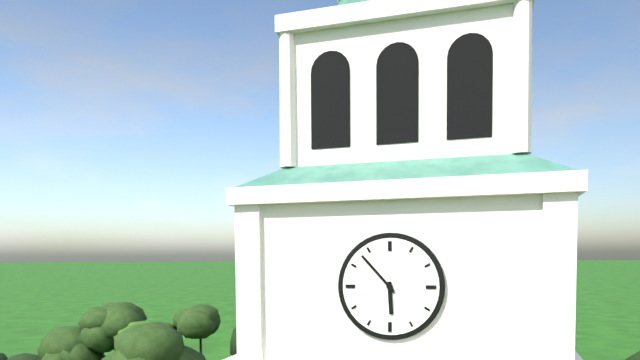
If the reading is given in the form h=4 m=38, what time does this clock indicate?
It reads h=5 m=53
